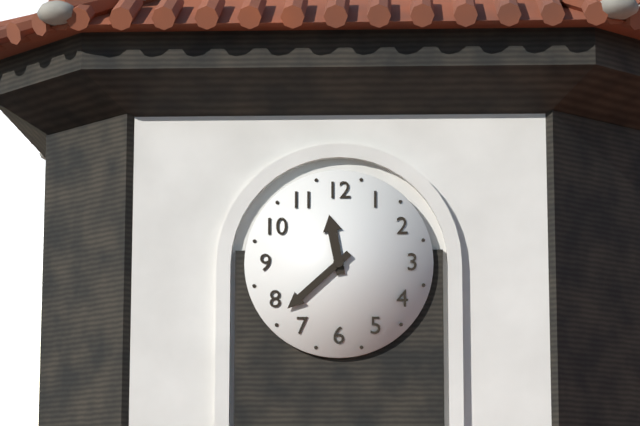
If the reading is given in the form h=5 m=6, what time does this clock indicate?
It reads h=11 m=38
